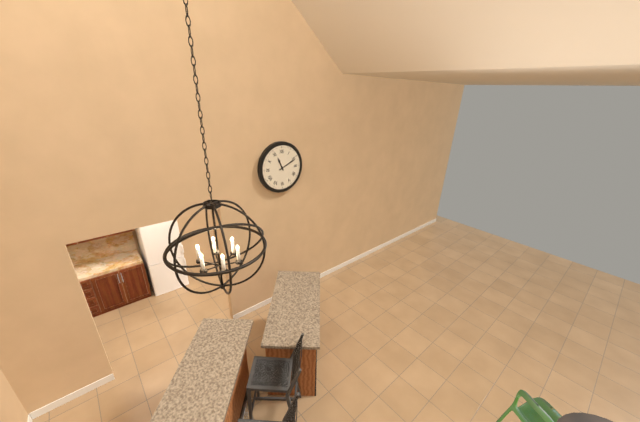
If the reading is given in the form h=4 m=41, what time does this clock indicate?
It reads h=11 m=11
